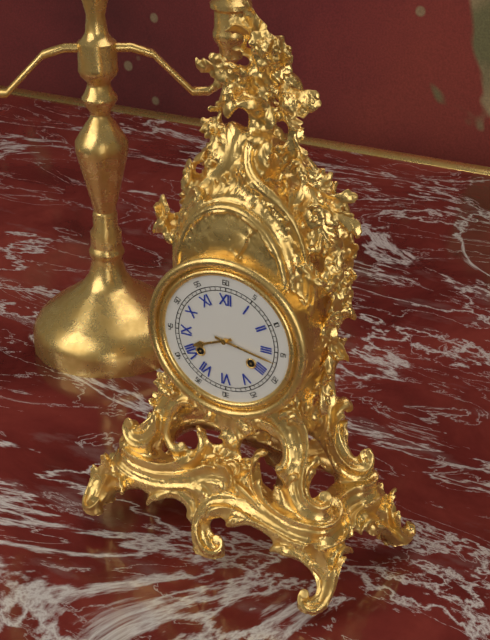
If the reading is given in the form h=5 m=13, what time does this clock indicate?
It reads h=8 m=17
